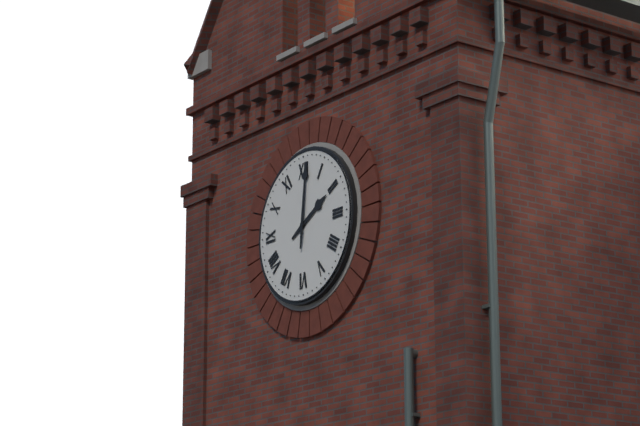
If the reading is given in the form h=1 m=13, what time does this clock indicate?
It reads h=2 m=1
